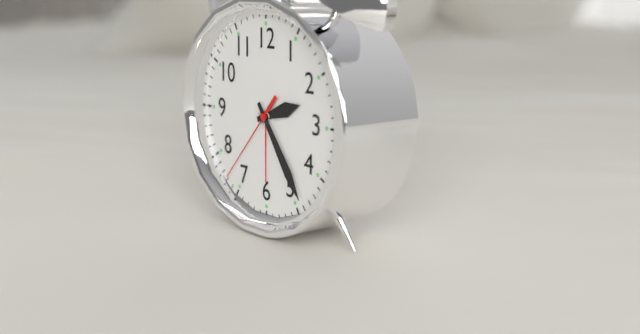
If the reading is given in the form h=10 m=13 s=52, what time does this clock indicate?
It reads h=2 m=24 s=37
